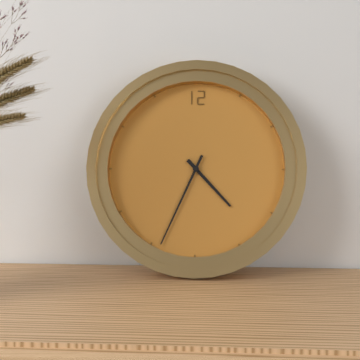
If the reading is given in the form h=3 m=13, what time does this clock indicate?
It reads h=4 m=34
